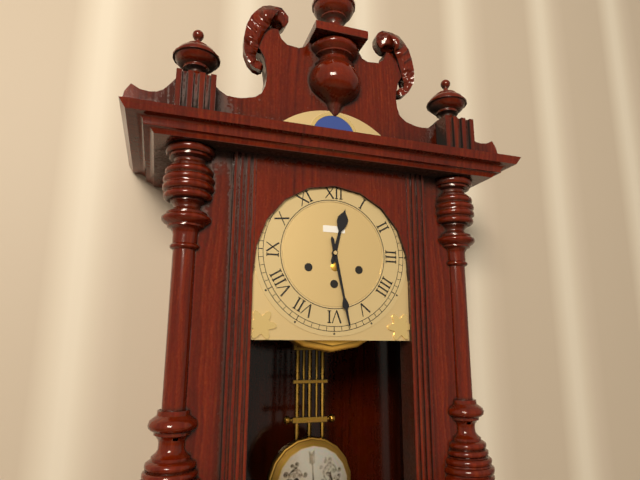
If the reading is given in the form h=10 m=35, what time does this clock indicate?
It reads h=12 m=28
